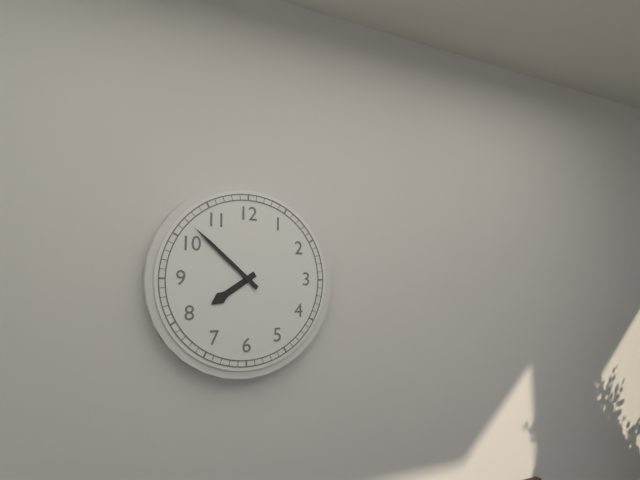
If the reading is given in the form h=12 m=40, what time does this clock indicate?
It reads h=7 m=52
